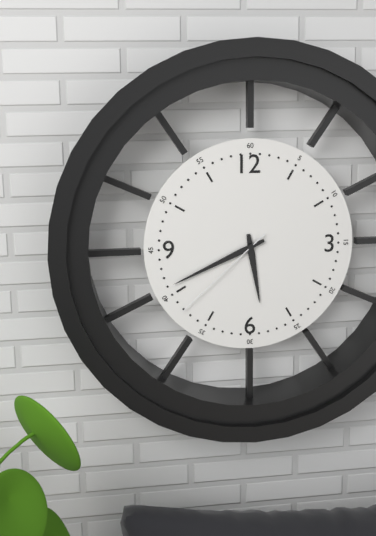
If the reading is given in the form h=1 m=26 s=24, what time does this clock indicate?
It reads h=5 m=41 s=38
